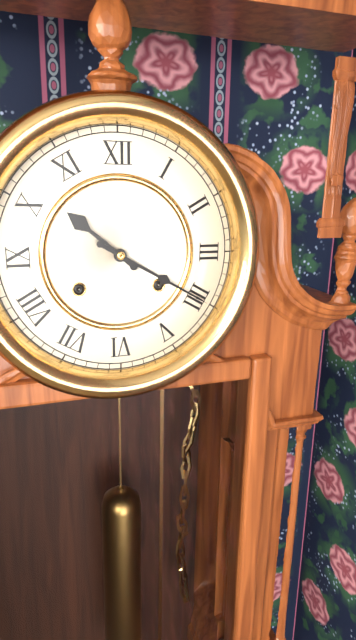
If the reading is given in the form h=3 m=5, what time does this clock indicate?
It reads h=10 m=20
